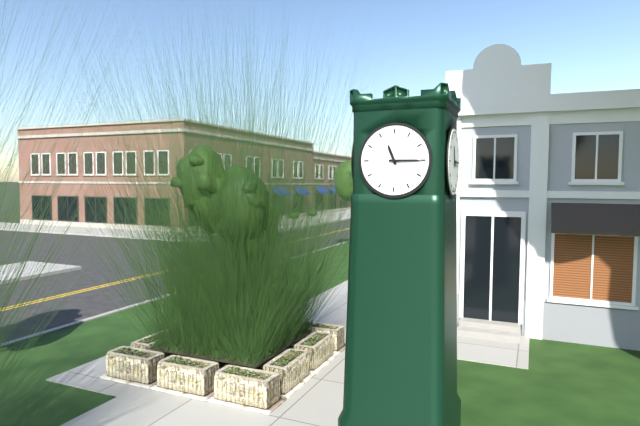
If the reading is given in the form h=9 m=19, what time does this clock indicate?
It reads h=11 m=15
